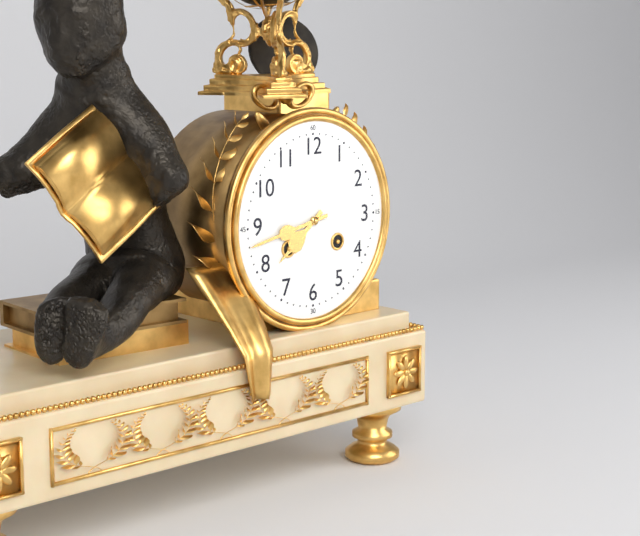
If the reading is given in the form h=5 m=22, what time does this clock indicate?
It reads h=7 m=43
